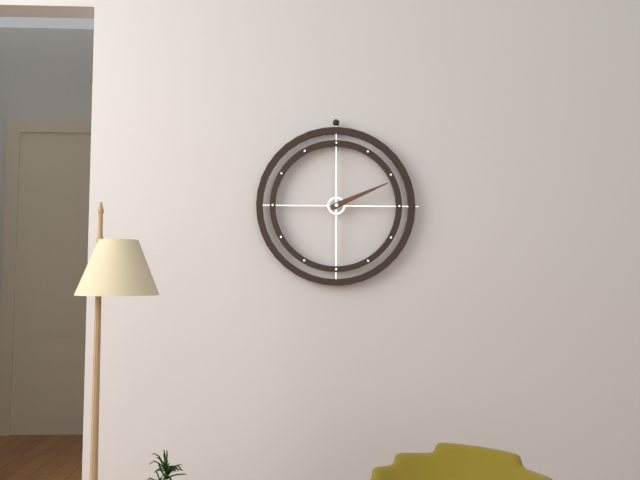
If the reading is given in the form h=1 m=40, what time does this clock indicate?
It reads h=2 m=11
